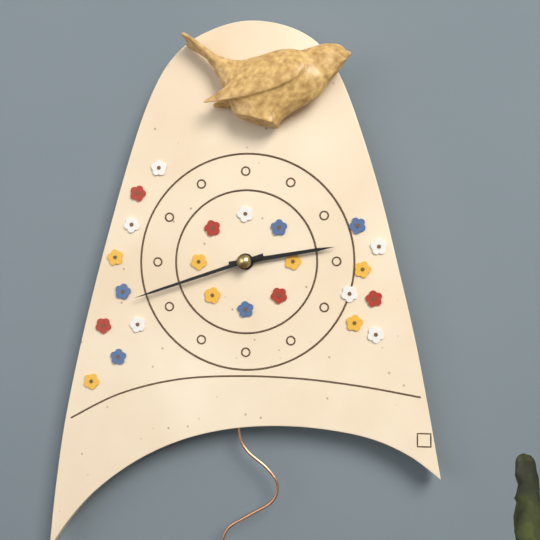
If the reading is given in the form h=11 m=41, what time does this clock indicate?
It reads h=2 m=42
